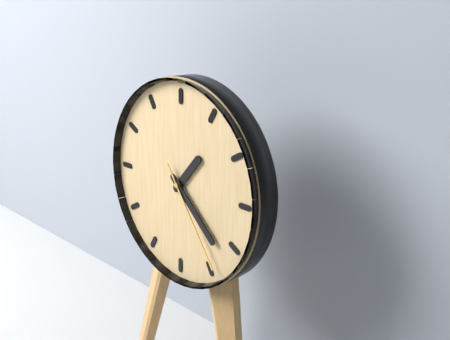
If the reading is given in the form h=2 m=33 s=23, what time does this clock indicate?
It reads h=1 m=22 s=24
